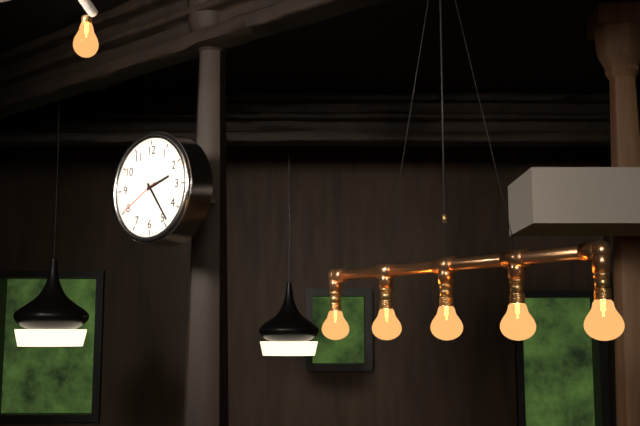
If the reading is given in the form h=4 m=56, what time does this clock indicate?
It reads h=2 m=24
